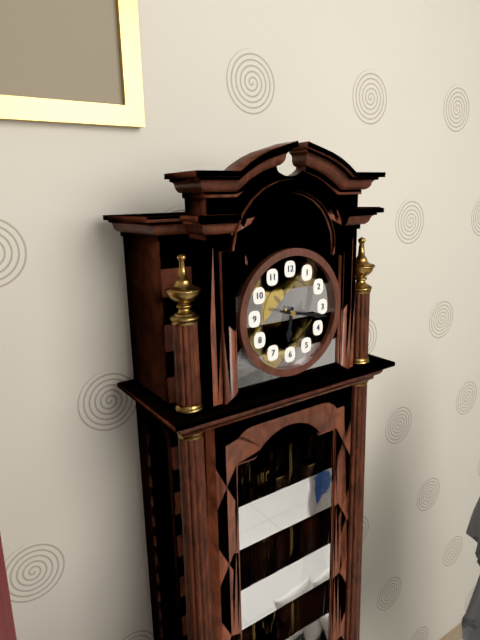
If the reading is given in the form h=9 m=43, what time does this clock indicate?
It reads h=6 m=17
